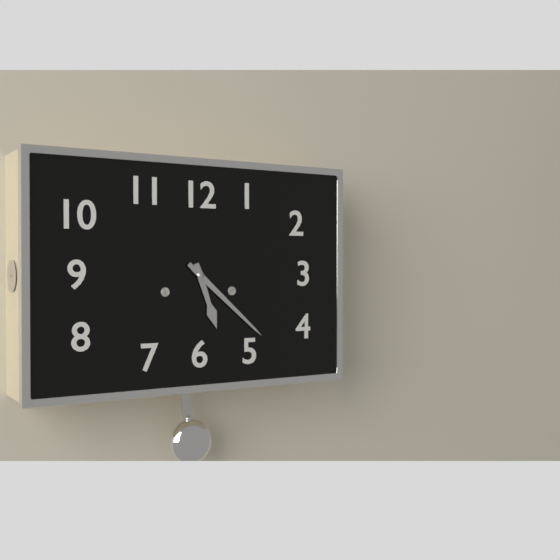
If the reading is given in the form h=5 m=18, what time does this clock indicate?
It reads h=5 m=22
